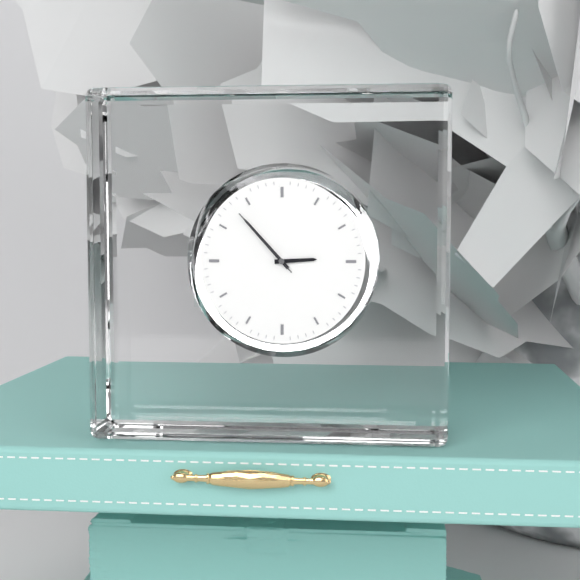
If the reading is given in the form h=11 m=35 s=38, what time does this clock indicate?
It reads h=2 m=53 s=53
